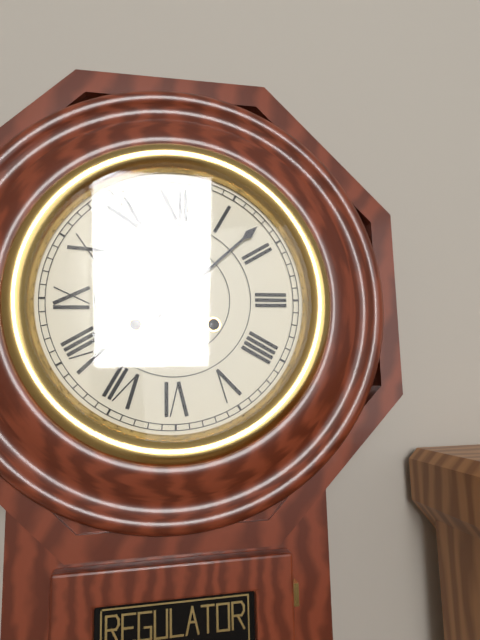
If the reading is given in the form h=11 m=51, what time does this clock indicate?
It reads h=12 m=8
